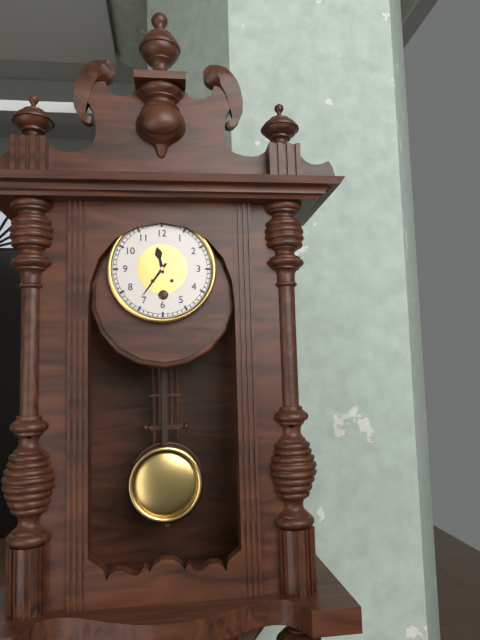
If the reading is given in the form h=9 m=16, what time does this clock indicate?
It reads h=11 m=36
